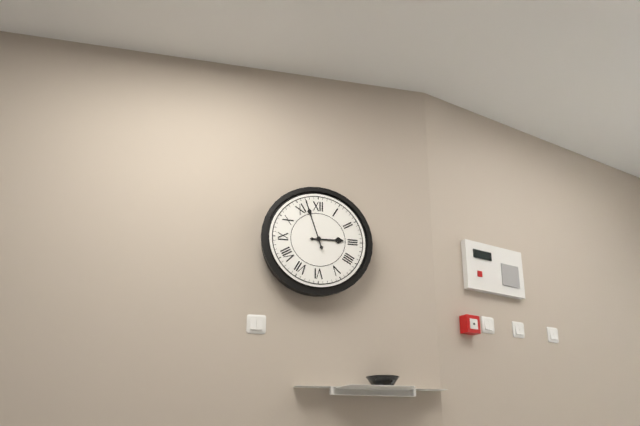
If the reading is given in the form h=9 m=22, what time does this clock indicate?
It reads h=2 m=57
